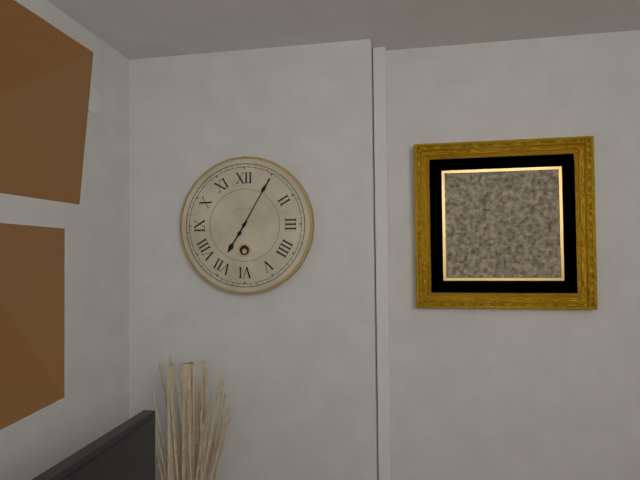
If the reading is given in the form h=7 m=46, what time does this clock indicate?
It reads h=7 m=5
